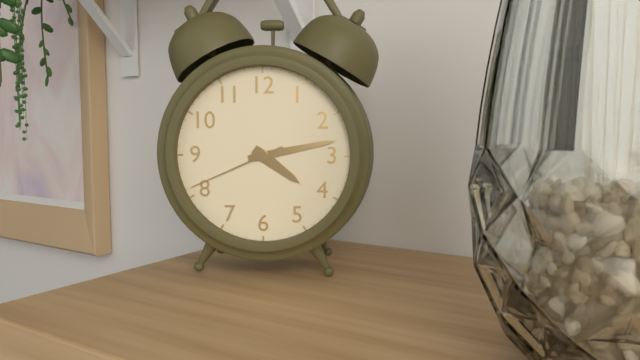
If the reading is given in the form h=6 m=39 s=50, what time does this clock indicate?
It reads h=4 m=13 s=41
